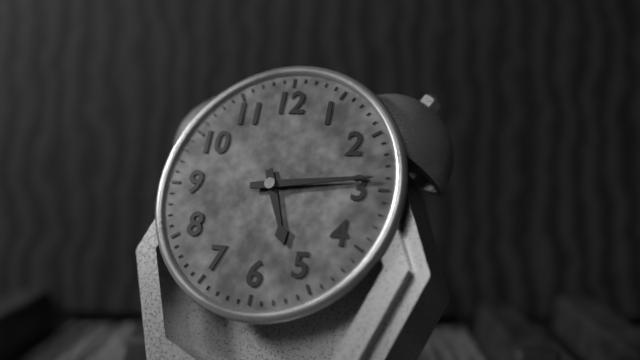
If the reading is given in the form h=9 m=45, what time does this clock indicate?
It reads h=5 m=14
